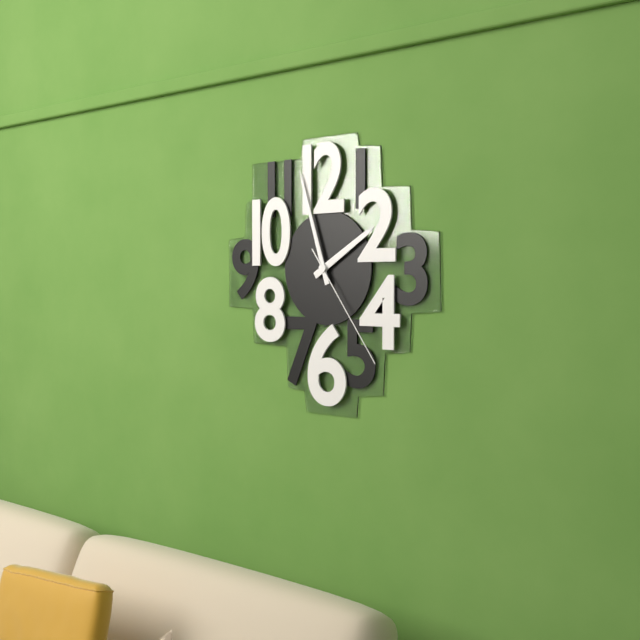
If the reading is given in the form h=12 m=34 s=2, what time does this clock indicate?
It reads h=1 m=57 s=24
